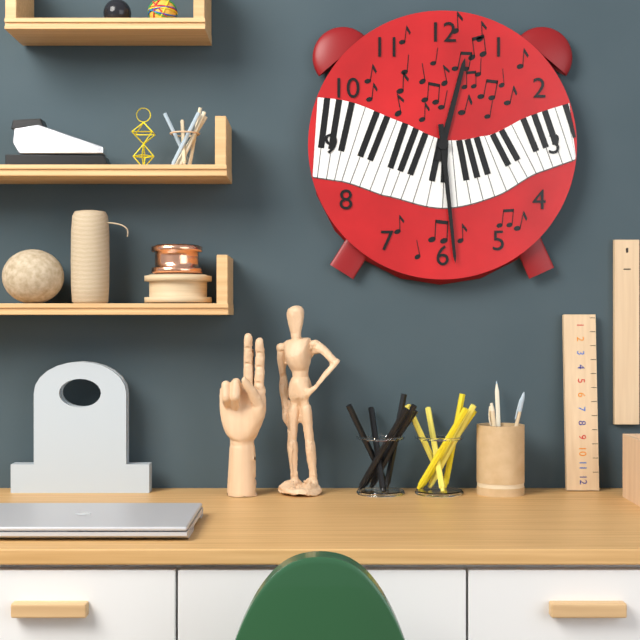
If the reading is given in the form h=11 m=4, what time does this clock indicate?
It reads h=12 m=29
